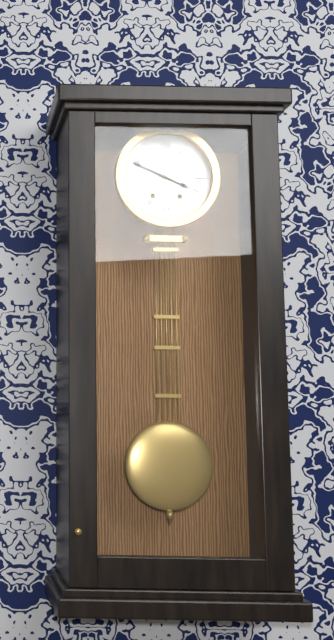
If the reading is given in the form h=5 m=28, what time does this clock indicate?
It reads h=3 m=49
